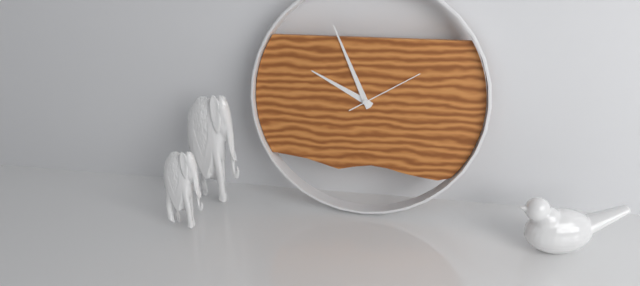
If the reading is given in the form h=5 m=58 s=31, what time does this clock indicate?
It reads h=9 m=56 s=10
